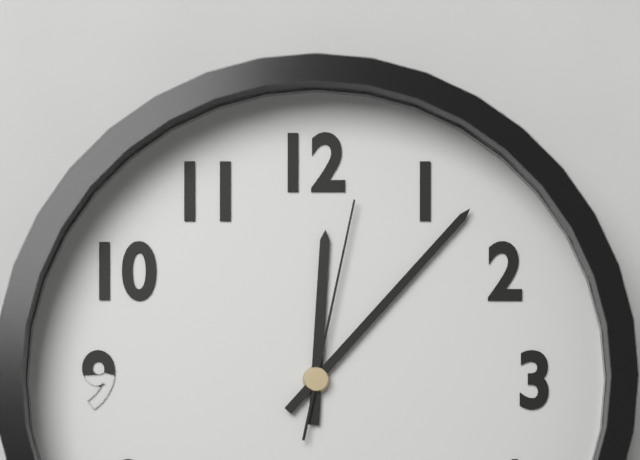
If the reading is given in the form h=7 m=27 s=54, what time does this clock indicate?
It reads h=12 m=7 s=2
